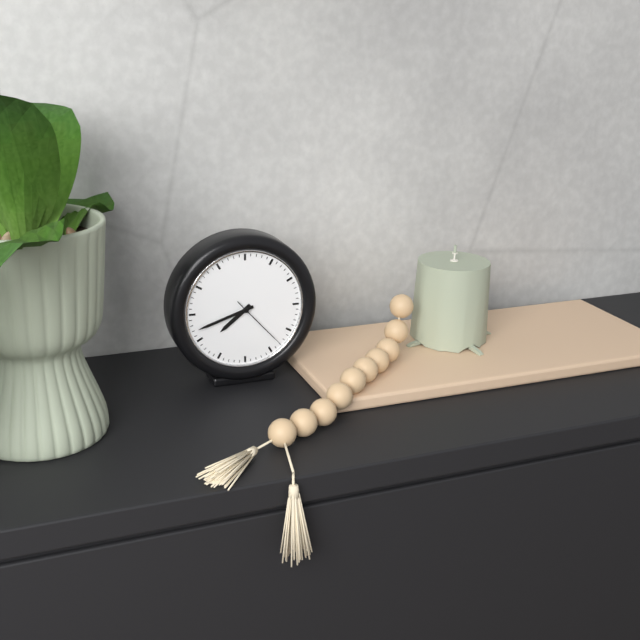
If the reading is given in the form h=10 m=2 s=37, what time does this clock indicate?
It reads h=7 m=42 s=23
